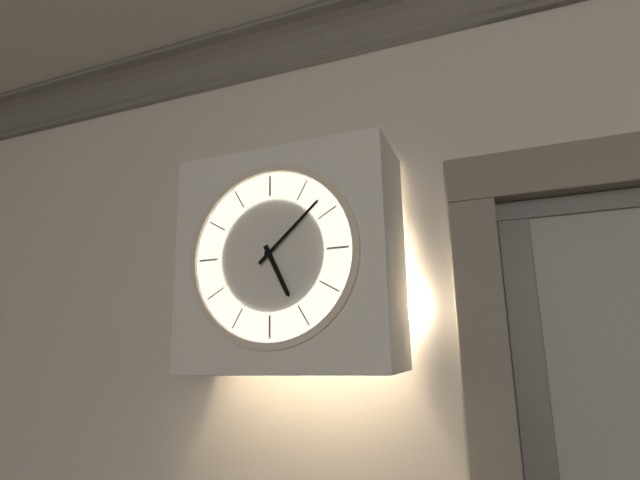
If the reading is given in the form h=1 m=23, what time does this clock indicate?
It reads h=5 m=8
